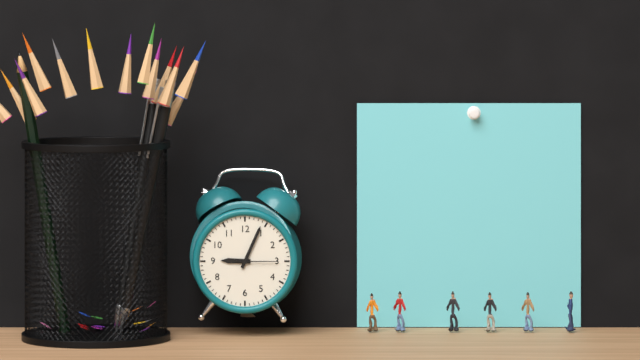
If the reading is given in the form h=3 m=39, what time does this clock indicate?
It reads h=9 m=4
